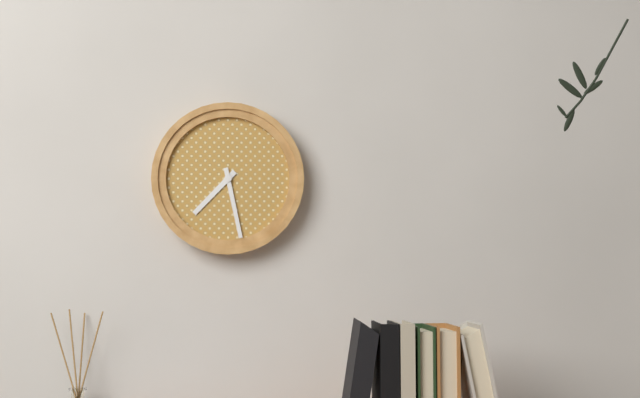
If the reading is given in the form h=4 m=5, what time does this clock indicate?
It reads h=7 m=28
